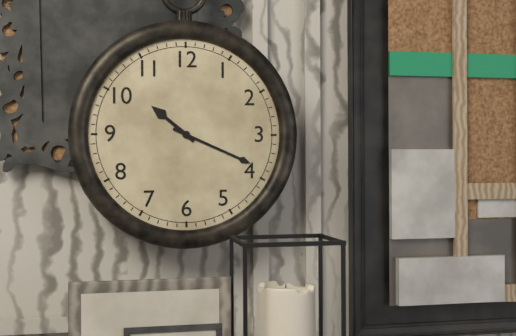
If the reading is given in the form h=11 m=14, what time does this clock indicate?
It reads h=10 m=19
